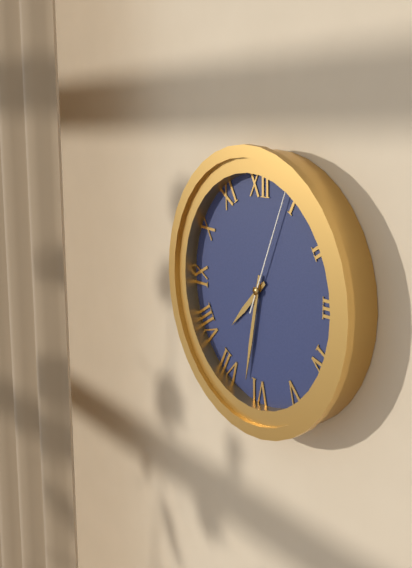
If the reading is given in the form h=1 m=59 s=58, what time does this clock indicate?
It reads h=7 m=32 s=4
